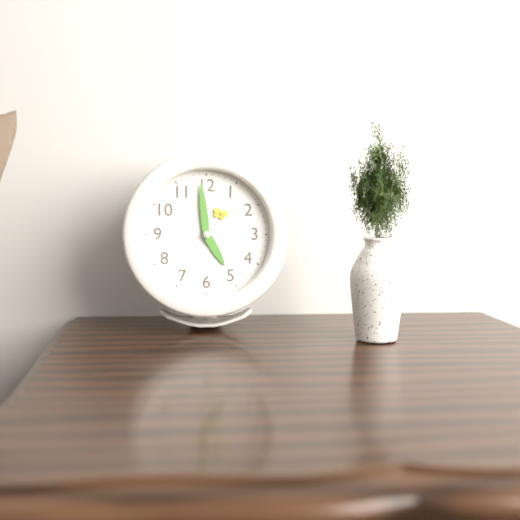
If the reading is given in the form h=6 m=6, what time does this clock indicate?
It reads h=4 m=59
